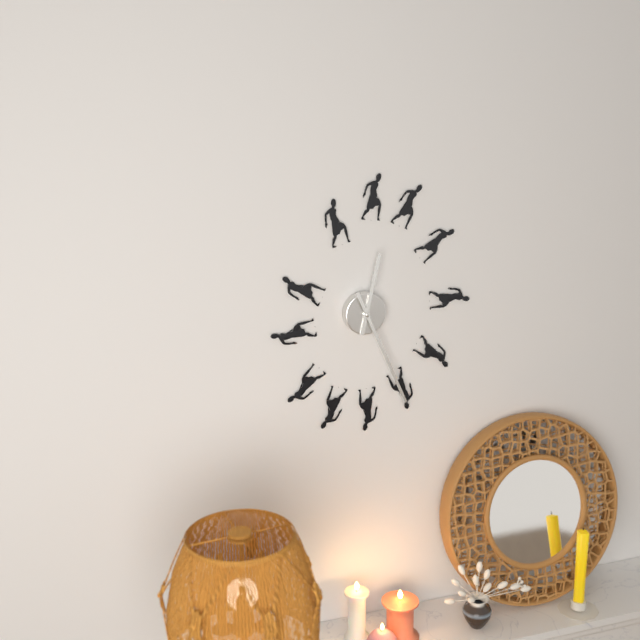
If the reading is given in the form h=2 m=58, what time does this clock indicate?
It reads h=12 m=26
